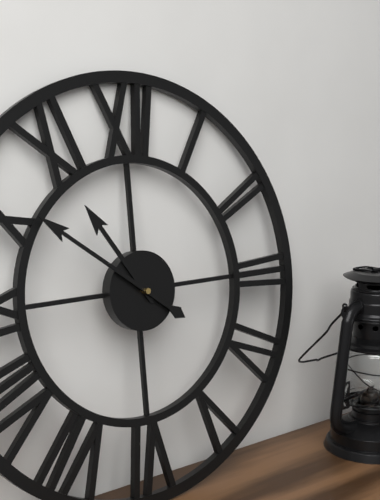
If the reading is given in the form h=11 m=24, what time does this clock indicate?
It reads h=10 m=51
